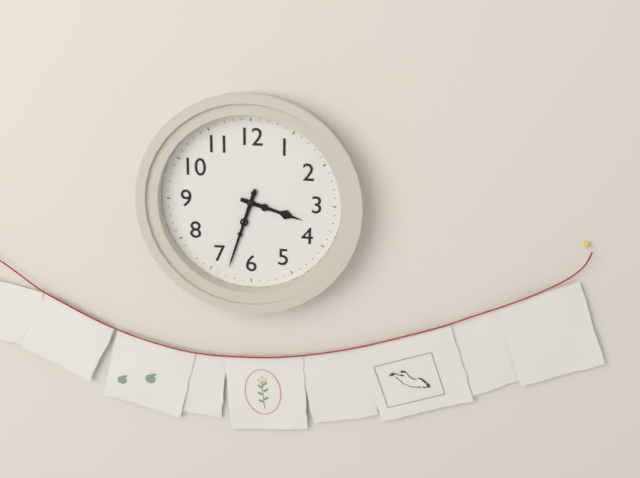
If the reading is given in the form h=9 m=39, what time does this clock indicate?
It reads h=3 m=33
